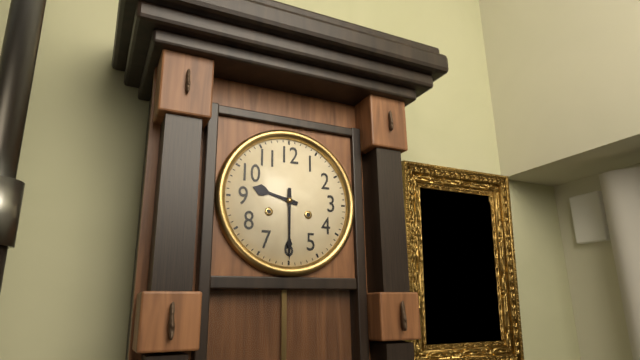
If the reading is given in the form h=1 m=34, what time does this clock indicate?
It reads h=9 m=30
